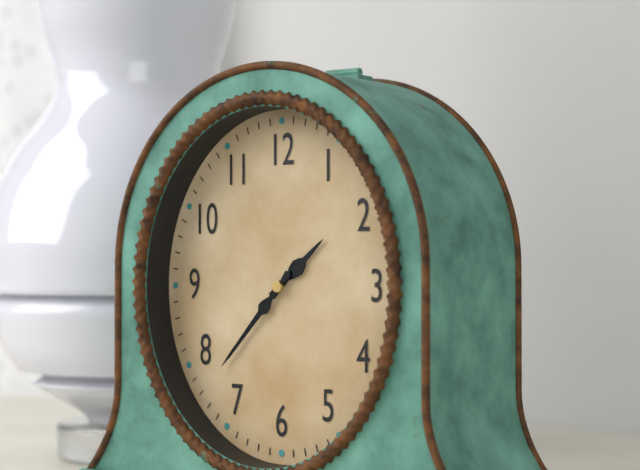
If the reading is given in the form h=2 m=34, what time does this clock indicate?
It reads h=1 m=37
